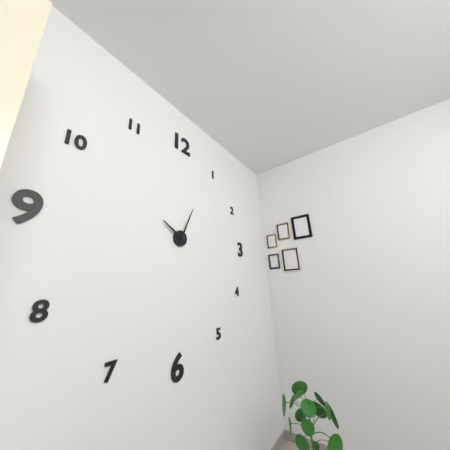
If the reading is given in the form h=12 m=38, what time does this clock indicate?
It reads h=10 m=4
